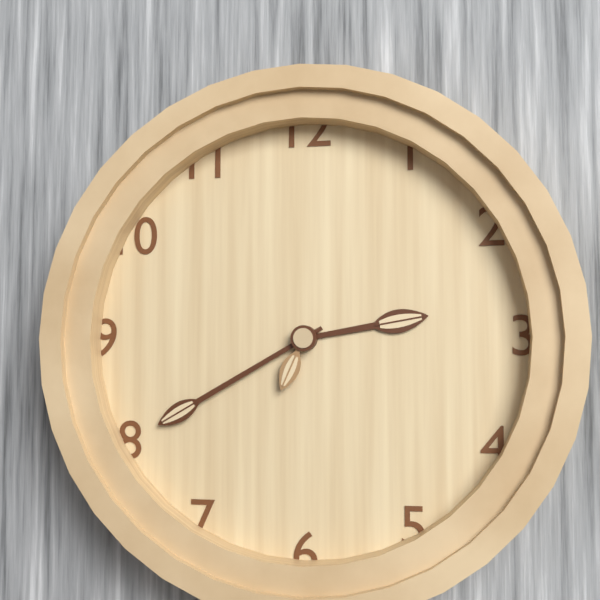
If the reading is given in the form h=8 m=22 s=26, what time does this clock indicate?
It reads h=2 m=40 s=34
